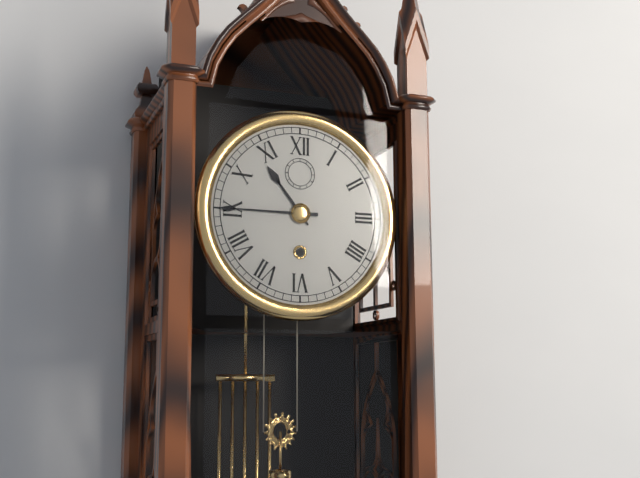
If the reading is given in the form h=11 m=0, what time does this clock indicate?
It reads h=10 m=45
